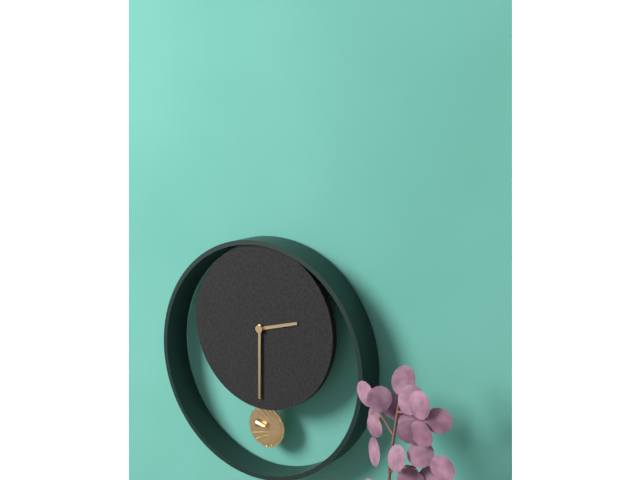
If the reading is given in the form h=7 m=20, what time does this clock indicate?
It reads h=2 m=30
